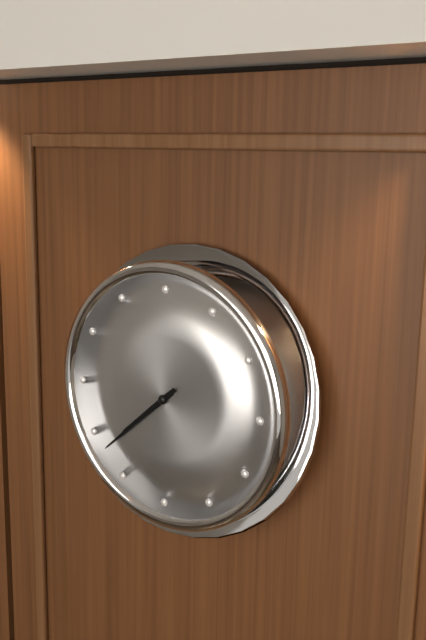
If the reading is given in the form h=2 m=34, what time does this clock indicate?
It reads h=7 m=38
